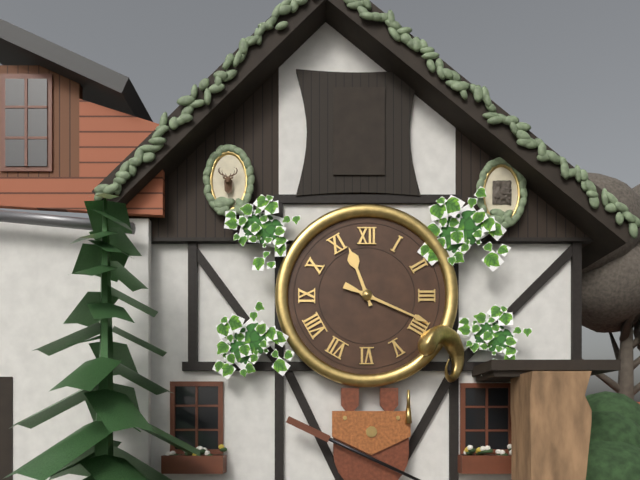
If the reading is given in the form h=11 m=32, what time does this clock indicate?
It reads h=11 m=19
